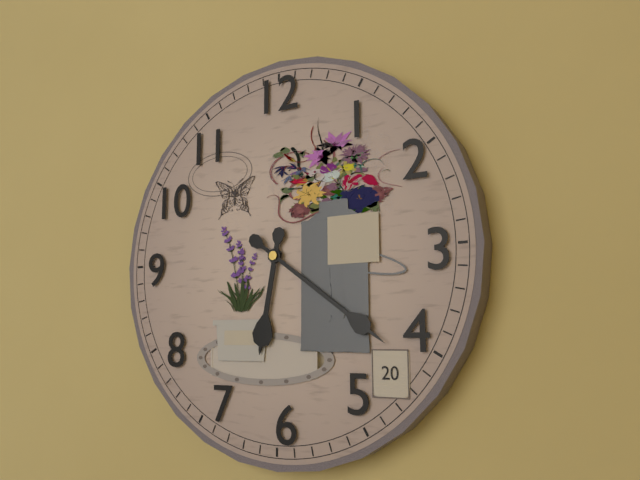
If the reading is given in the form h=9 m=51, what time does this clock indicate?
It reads h=6 m=21
